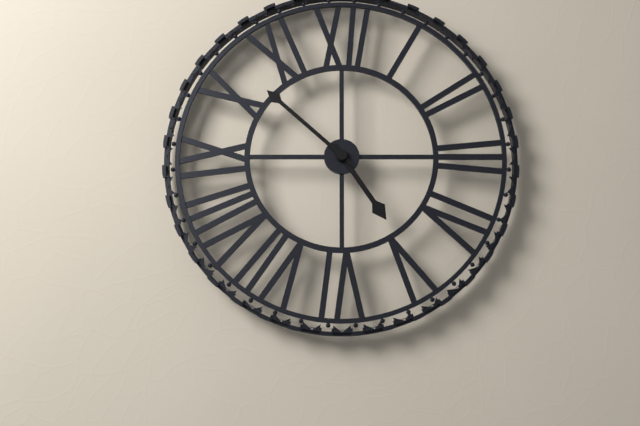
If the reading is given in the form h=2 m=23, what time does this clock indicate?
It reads h=4 m=52
